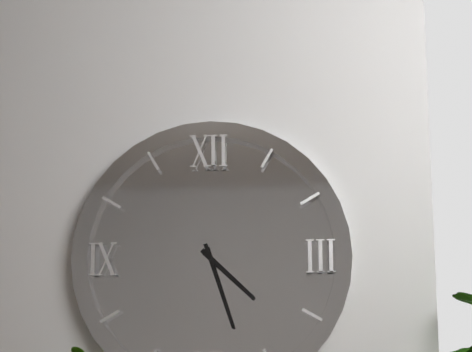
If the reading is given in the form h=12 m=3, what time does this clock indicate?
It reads h=4 m=27
